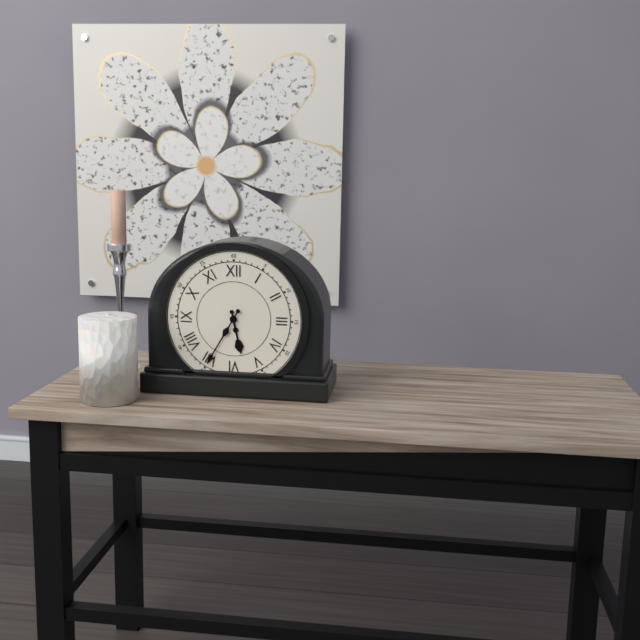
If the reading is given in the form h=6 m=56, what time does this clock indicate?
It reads h=5 m=35
